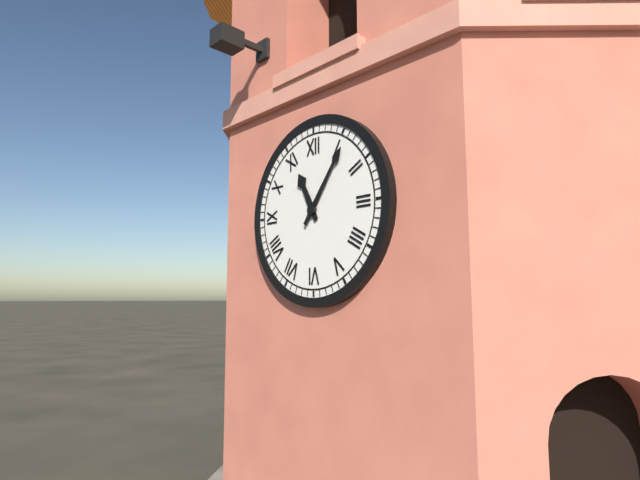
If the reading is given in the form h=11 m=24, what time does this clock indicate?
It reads h=11 m=6
